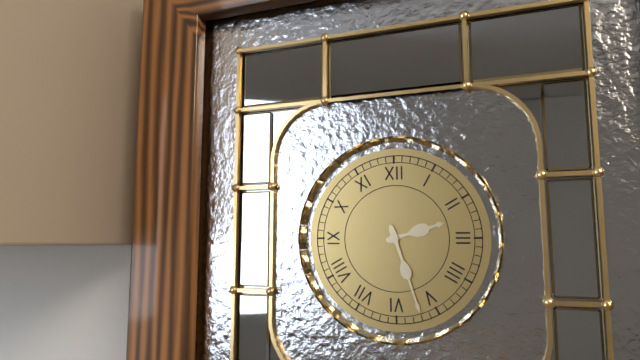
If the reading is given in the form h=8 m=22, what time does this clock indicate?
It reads h=2 m=27
